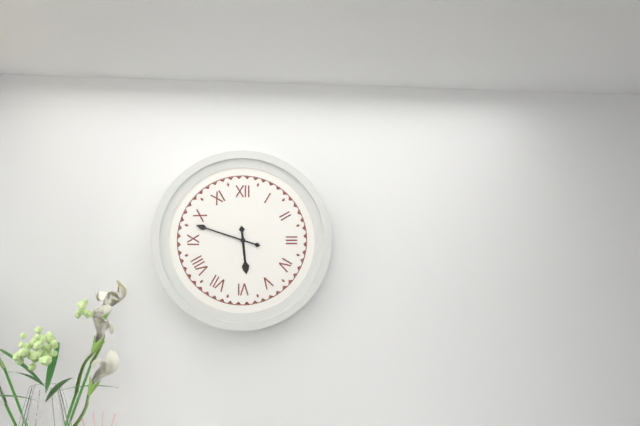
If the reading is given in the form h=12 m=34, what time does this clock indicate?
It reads h=5 m=48
